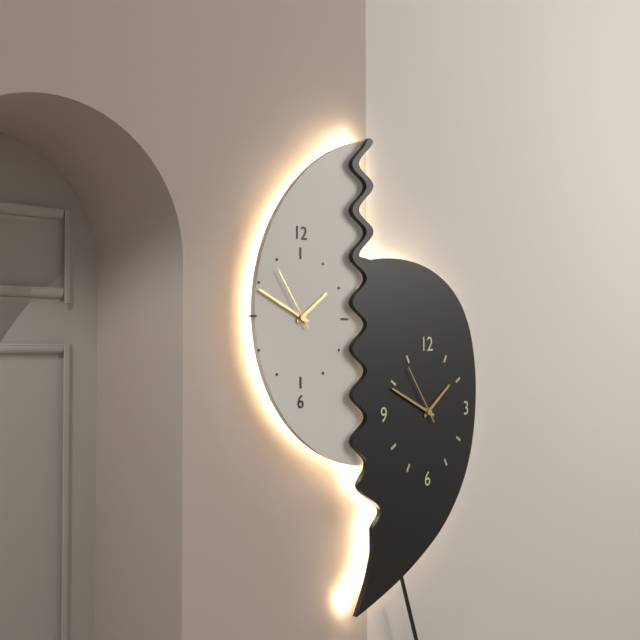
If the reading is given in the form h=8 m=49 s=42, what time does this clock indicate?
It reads h=1 m=49 s=54
